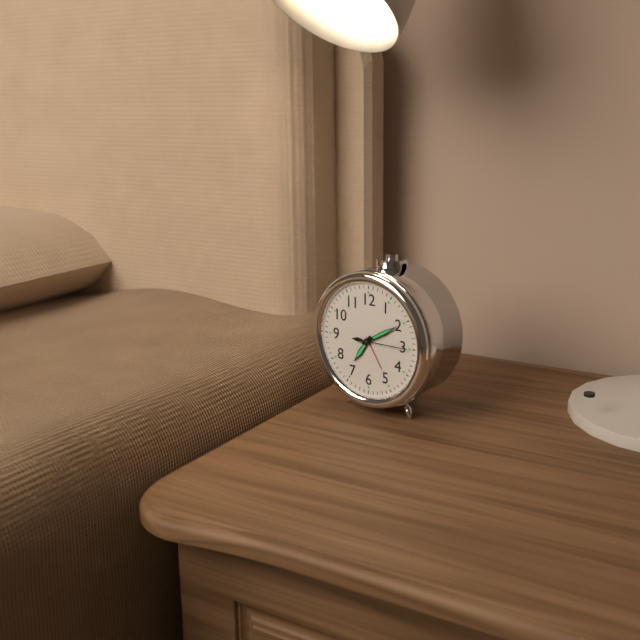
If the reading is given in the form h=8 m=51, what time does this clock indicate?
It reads h=7 m=10
